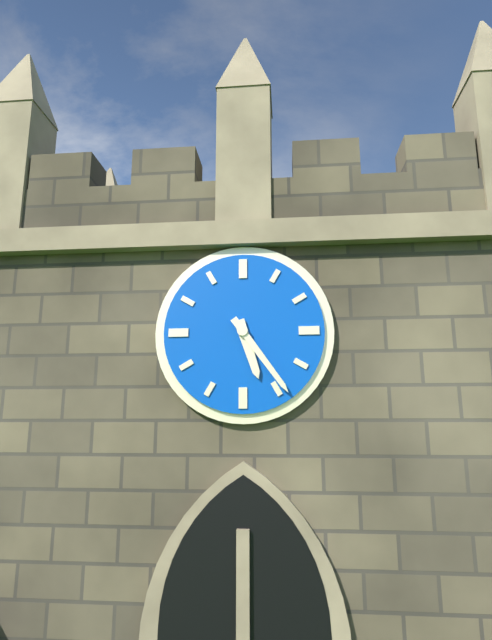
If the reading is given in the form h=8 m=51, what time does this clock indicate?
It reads h=5 m=24
